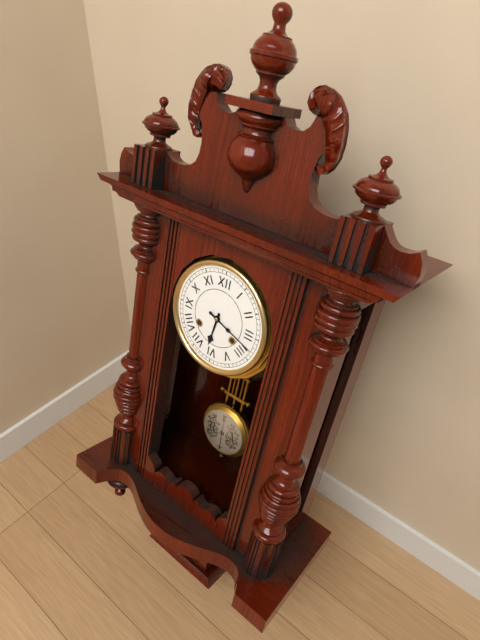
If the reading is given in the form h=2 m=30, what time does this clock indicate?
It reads h=6 m=18
